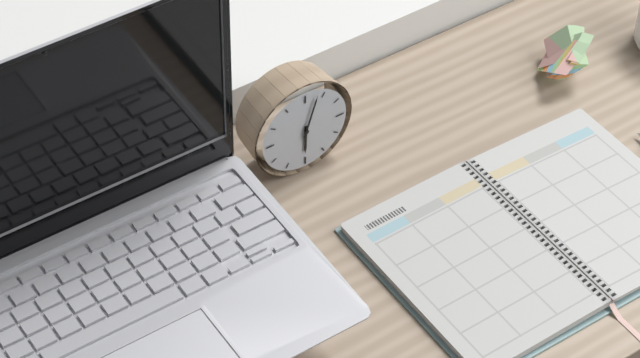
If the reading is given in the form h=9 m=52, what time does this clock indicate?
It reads h=6 m=3
